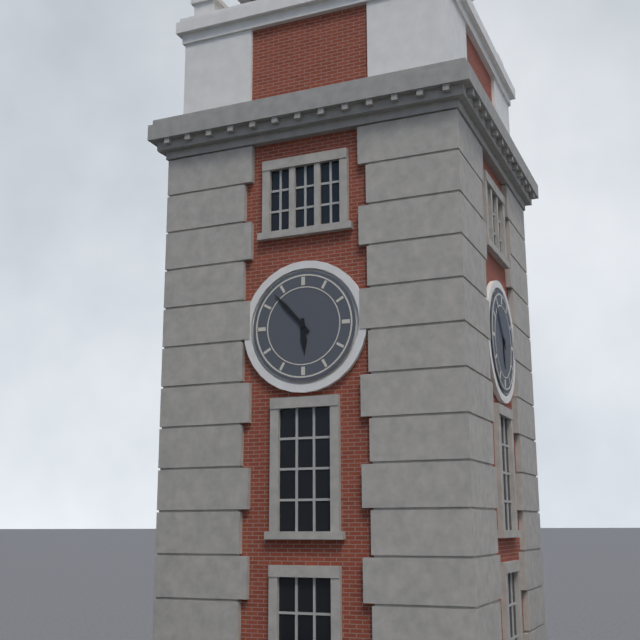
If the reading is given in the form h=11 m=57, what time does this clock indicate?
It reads h=5 m=53
